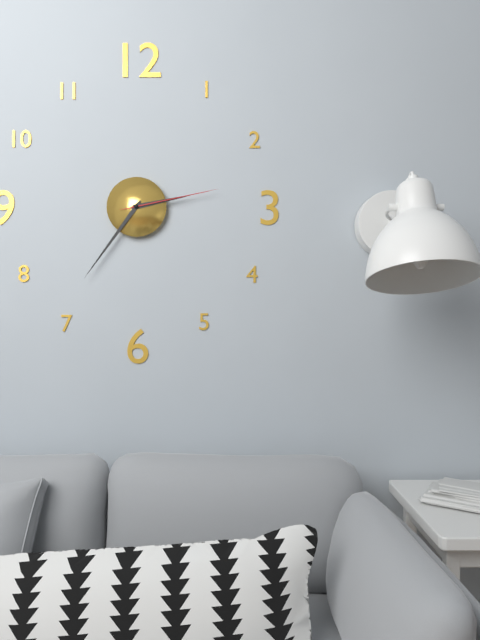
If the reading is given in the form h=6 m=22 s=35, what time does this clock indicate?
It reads h=2 m=36 s=13
